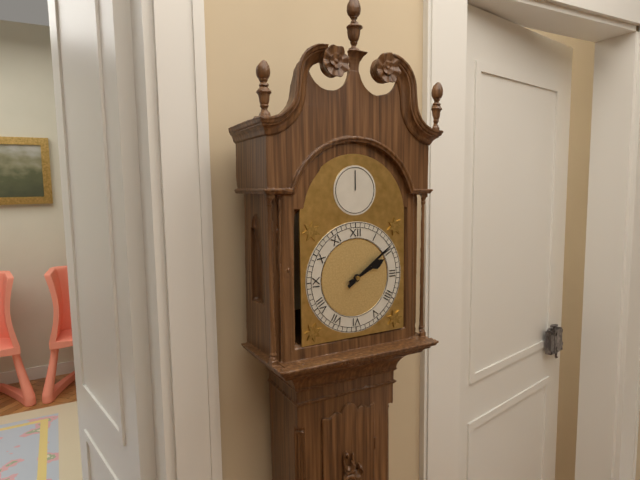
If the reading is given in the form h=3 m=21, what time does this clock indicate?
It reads h=2 m=9
